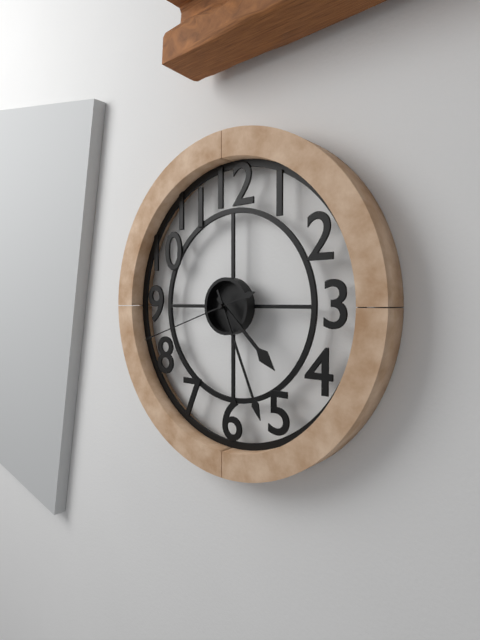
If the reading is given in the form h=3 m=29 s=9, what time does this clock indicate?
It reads h=4 m=26 s=42
